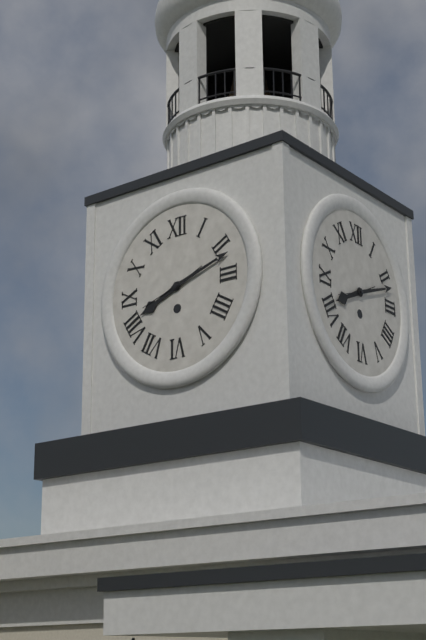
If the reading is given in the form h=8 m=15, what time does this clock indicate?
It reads h=8 m=12
